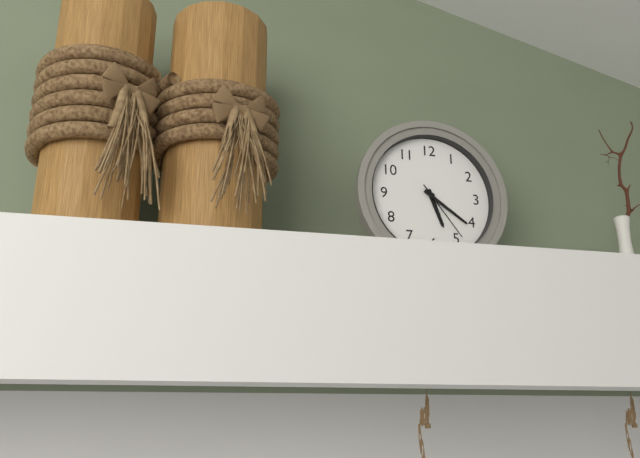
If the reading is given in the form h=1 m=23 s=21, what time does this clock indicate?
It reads h=5 m=21 s=24
